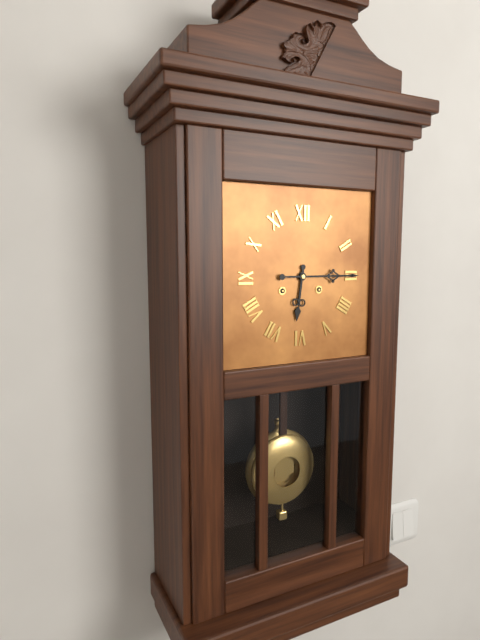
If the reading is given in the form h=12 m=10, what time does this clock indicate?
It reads h=6 m=15
